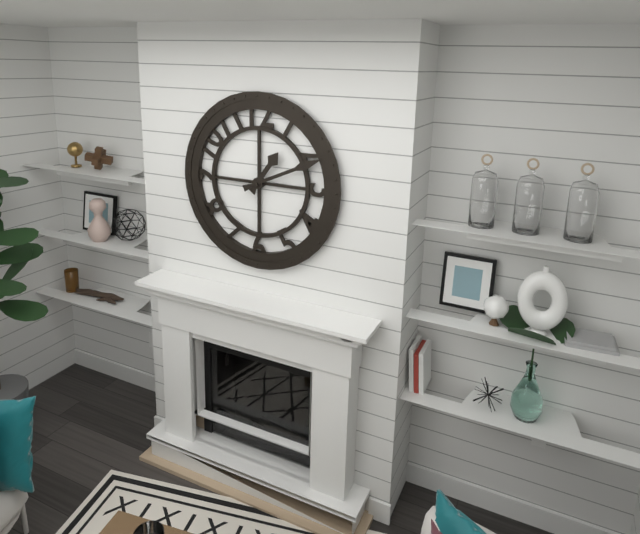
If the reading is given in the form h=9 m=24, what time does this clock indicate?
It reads h=1 m=11
